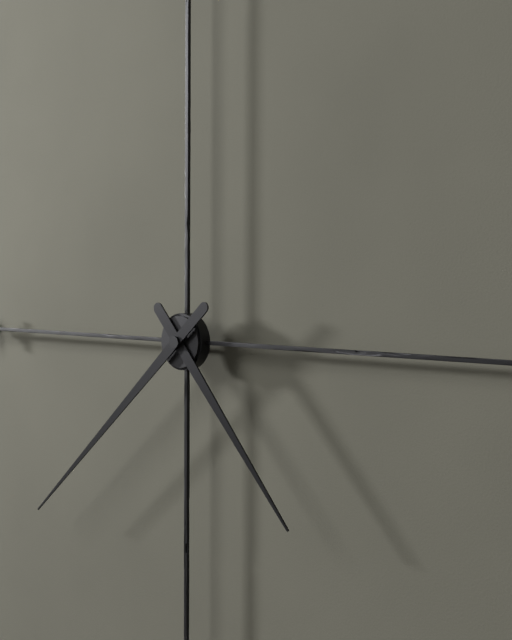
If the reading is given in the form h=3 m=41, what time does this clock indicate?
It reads h=4 m=38
